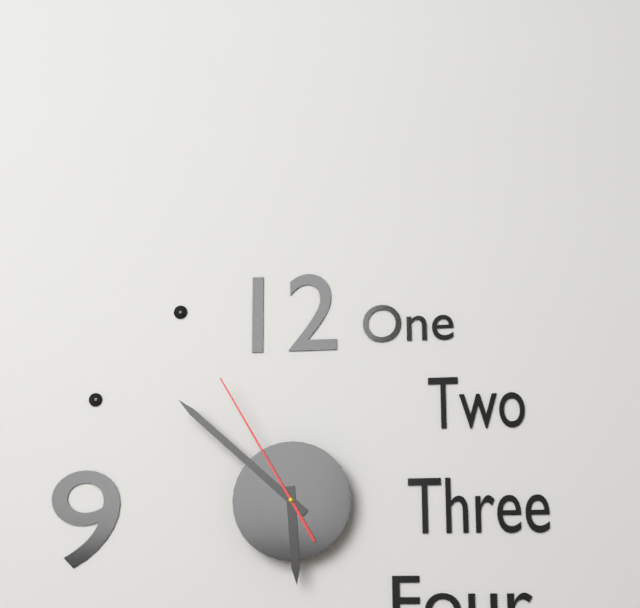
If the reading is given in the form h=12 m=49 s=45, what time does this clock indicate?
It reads h=5 m=52 s=55
